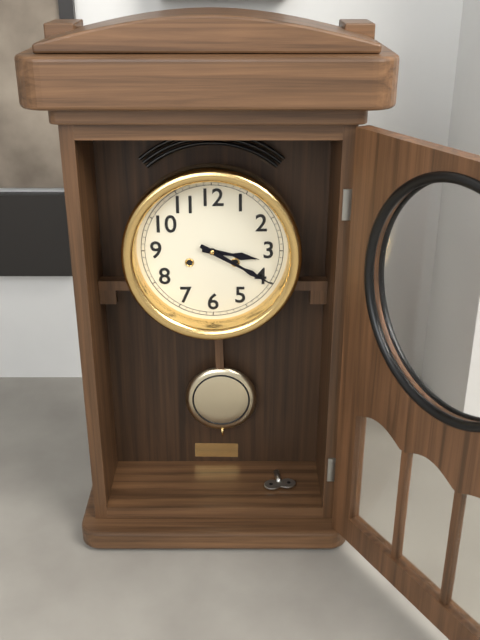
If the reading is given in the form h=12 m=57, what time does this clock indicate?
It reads h=3 m=20
